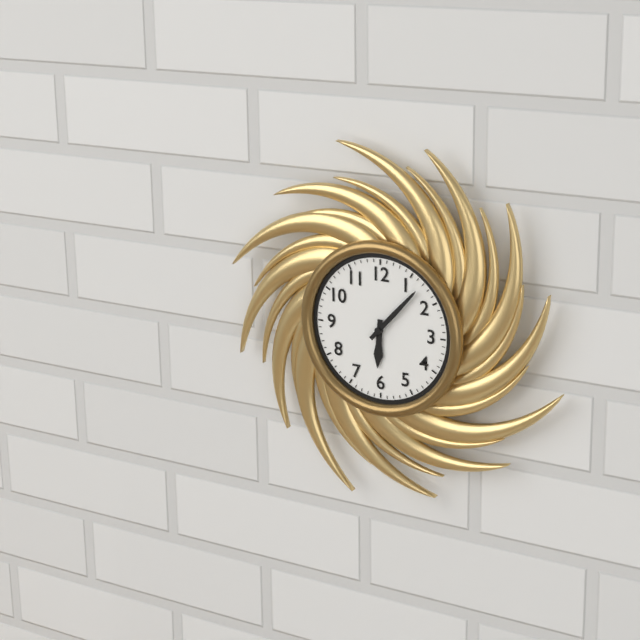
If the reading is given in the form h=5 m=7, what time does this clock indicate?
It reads h=6 m=7
